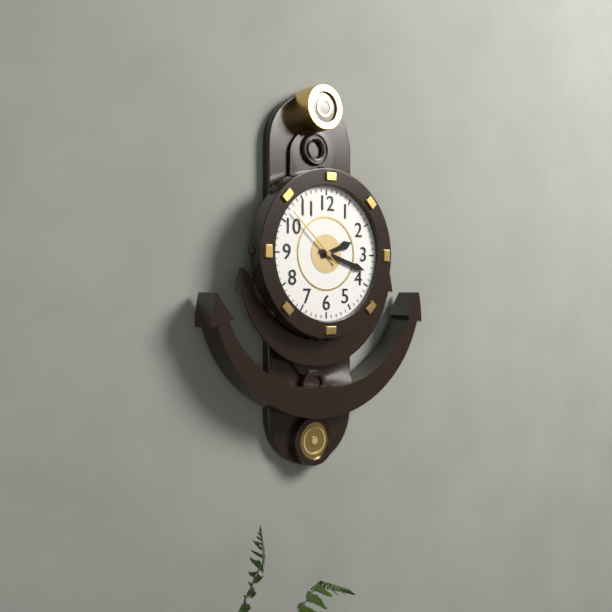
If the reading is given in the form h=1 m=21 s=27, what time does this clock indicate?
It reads h=2 m=18 s=52
